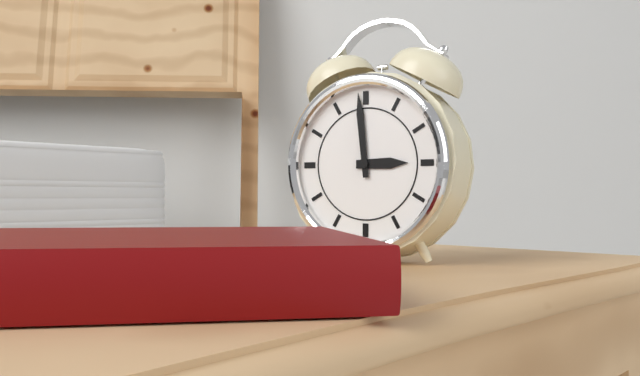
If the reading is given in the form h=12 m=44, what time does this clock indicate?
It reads h=2 m=59
